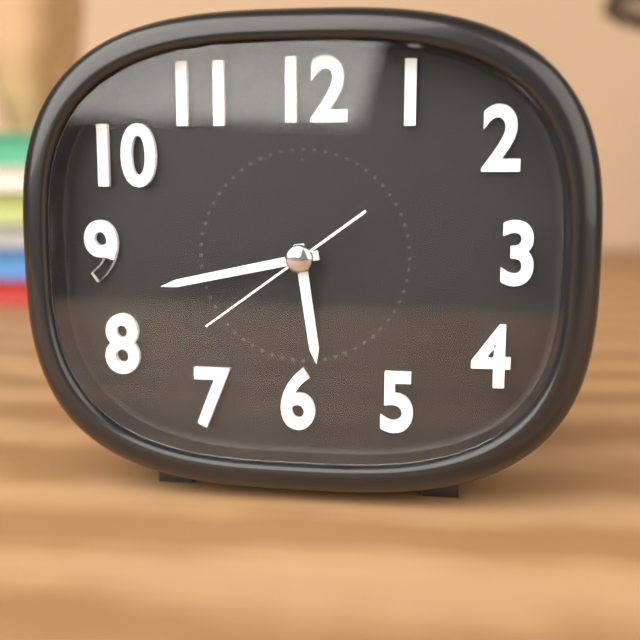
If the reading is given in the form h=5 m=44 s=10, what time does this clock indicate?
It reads h=5 m=43 s=39
